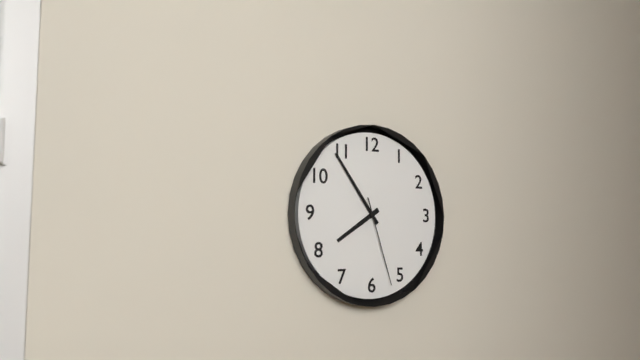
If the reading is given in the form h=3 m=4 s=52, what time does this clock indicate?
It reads h=7 m=54 s=27
